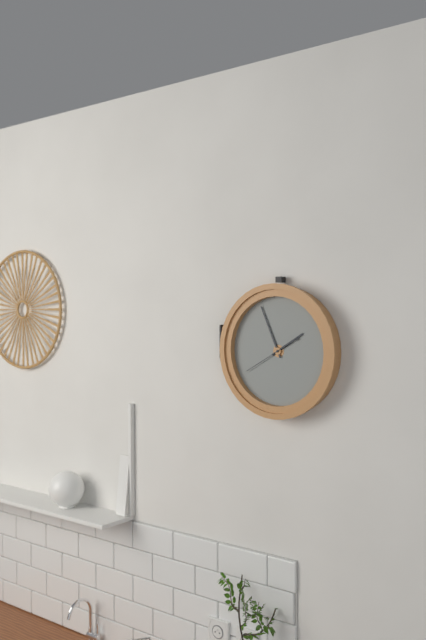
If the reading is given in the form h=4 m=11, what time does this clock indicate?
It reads h=1 m=56
